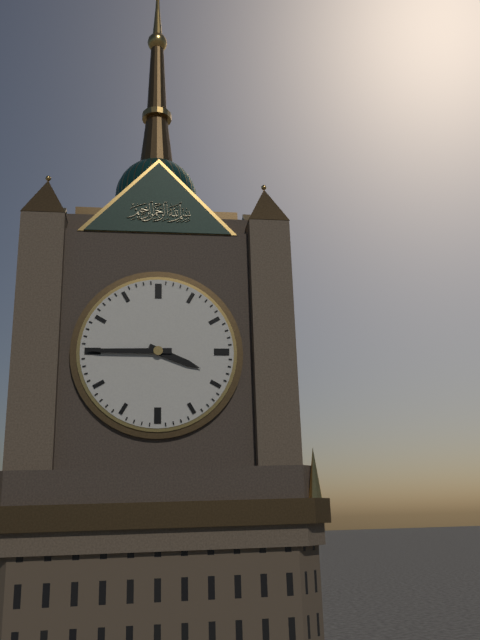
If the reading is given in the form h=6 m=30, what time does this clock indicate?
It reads h=3 m=45
